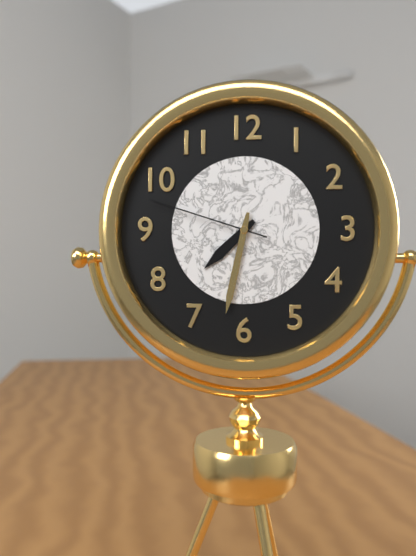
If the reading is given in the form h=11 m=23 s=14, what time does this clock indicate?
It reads h=7 m=32 s=48
